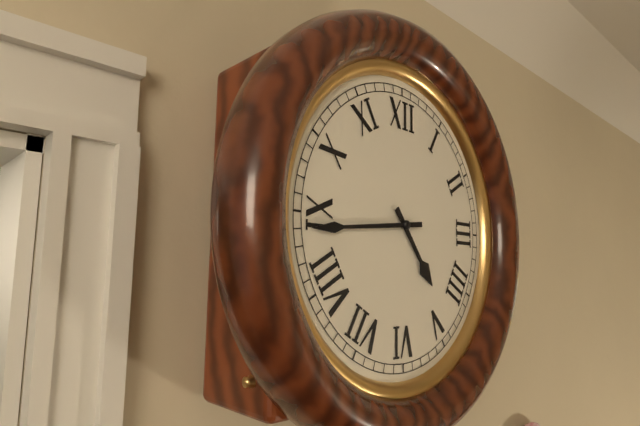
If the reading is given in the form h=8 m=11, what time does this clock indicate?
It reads h=4 m=44
